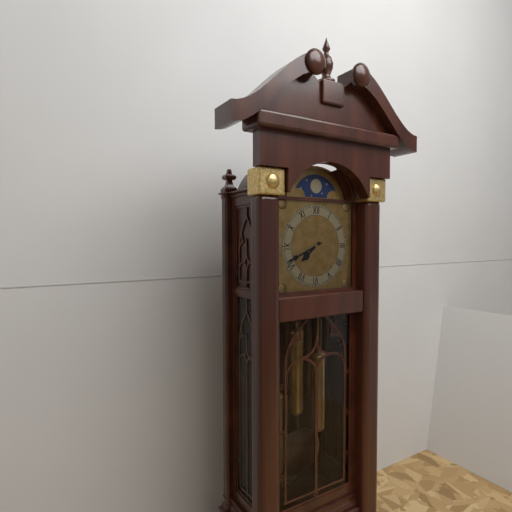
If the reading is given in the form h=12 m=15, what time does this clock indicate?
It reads h=7 m=41
